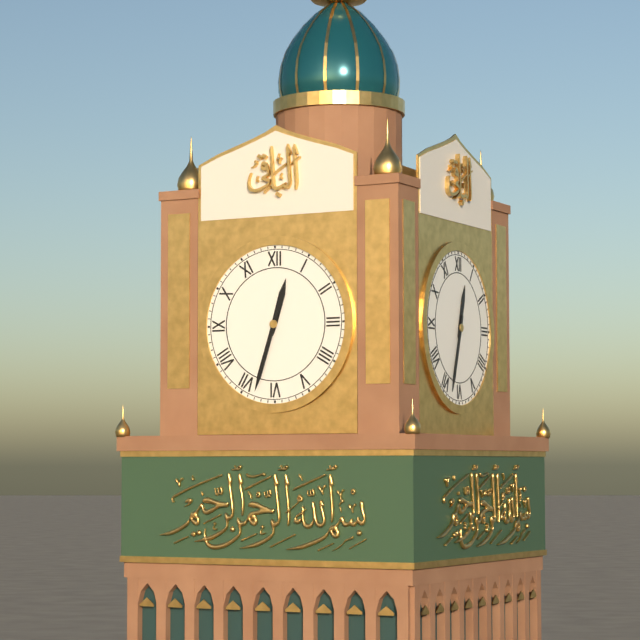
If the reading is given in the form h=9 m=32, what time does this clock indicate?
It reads h=12 m=33
